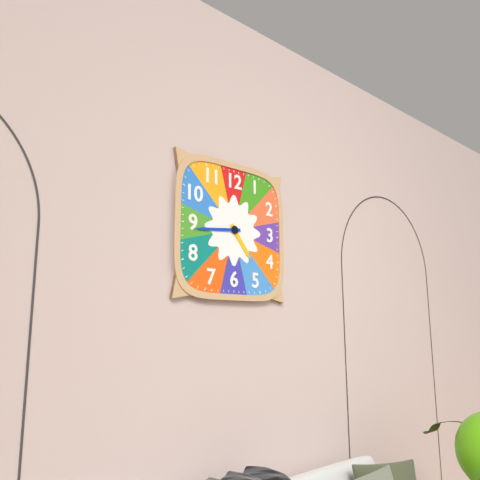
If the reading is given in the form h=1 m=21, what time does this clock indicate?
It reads h=4 m=44
